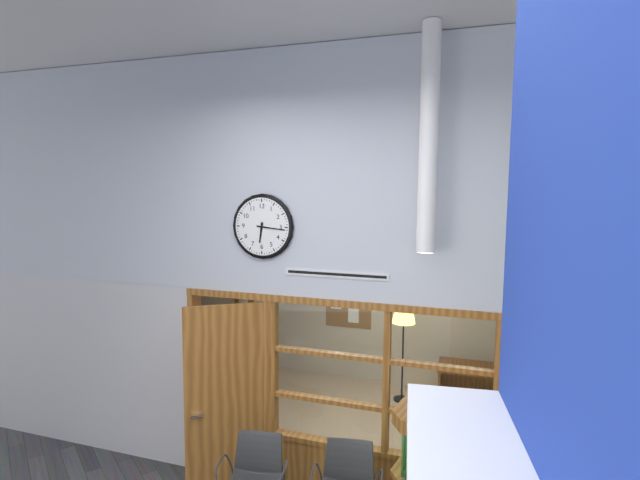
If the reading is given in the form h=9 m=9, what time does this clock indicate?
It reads h=6 m=16
